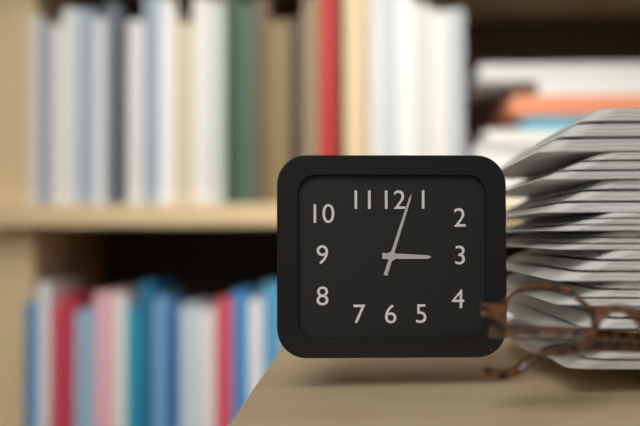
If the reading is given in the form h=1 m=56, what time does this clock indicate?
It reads h=3 m=3
